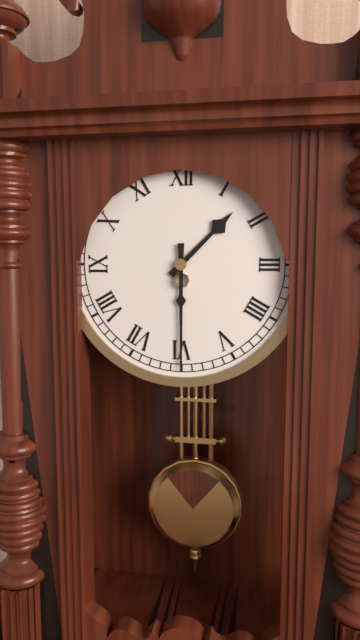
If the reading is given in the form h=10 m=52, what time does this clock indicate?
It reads h=1 m=30
